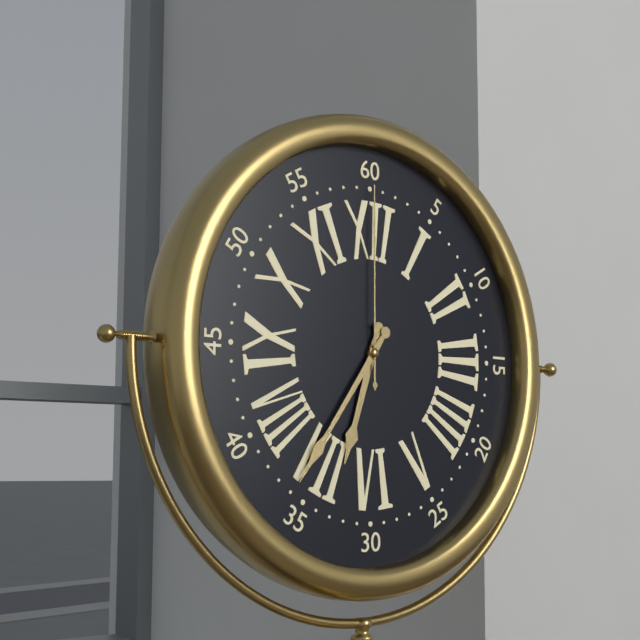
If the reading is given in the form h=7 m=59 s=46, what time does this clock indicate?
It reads h=6 m=36 s=0
